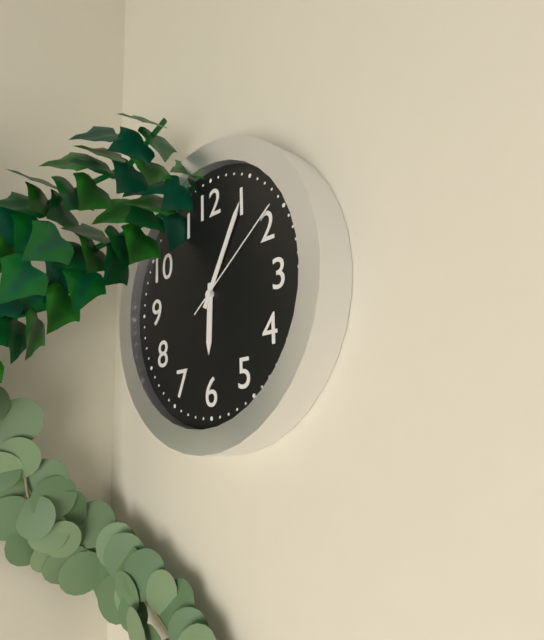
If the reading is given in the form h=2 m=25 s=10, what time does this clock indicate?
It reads h=6 m=5 s=9
